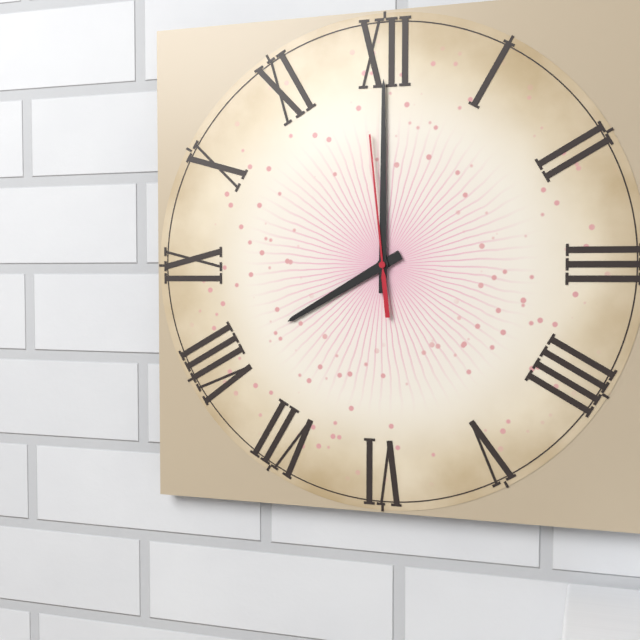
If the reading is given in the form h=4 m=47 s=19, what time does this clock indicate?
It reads h=8 m=0 s=59
